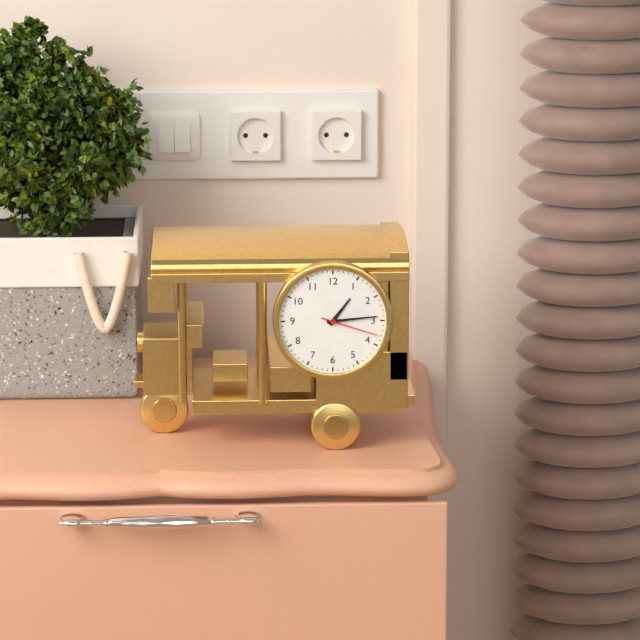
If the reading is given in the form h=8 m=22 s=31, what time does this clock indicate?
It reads h=1 m=14 s=18
